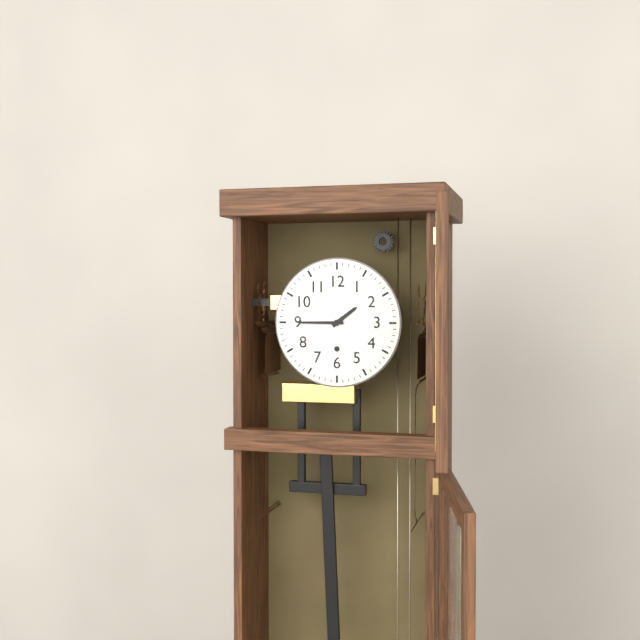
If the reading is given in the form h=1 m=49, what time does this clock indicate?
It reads h=1 m=45
